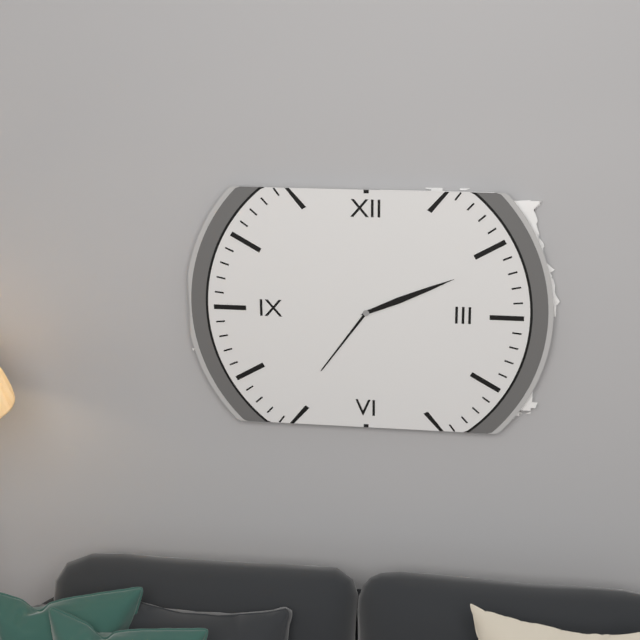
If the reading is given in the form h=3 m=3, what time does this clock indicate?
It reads h=7 m=11
